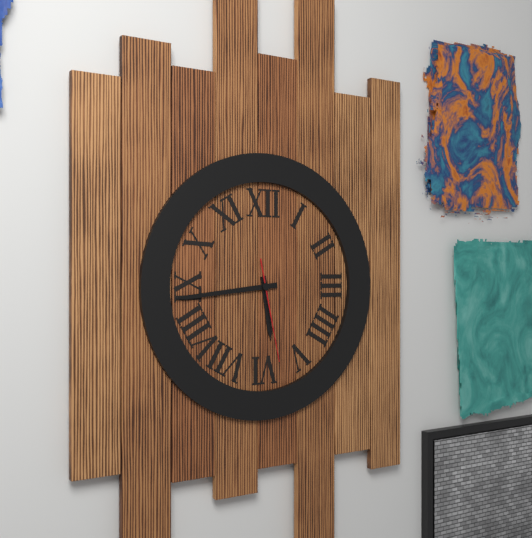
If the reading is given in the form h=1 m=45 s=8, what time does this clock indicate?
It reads h=5 m=44 s=28
